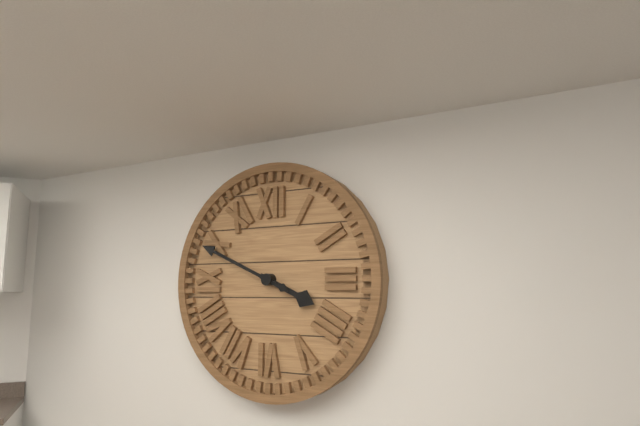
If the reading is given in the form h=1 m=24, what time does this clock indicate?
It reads h=3 m=49
